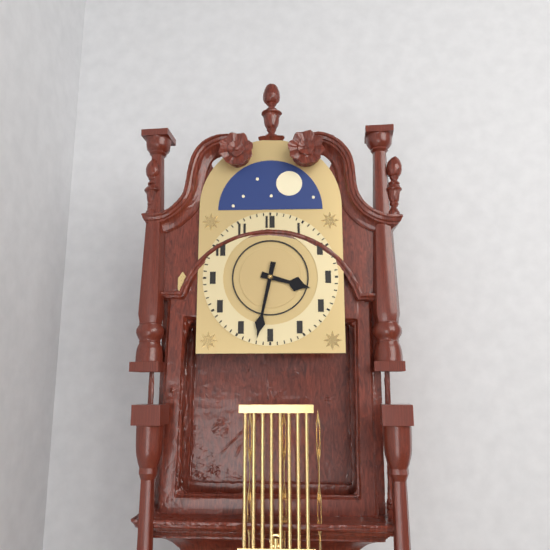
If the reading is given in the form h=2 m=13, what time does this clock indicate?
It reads h=3 m=32
